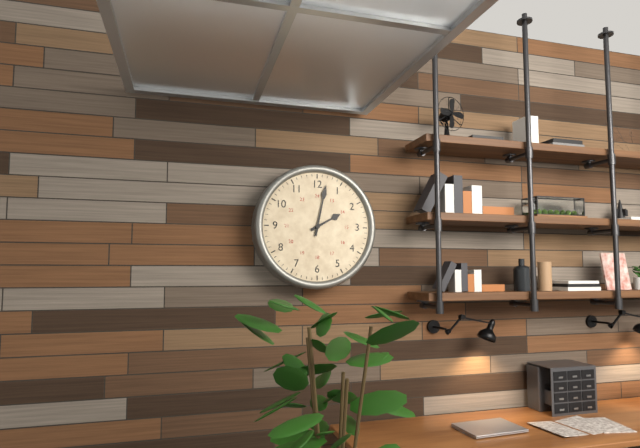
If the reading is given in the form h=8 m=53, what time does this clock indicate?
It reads h=2 m=2
